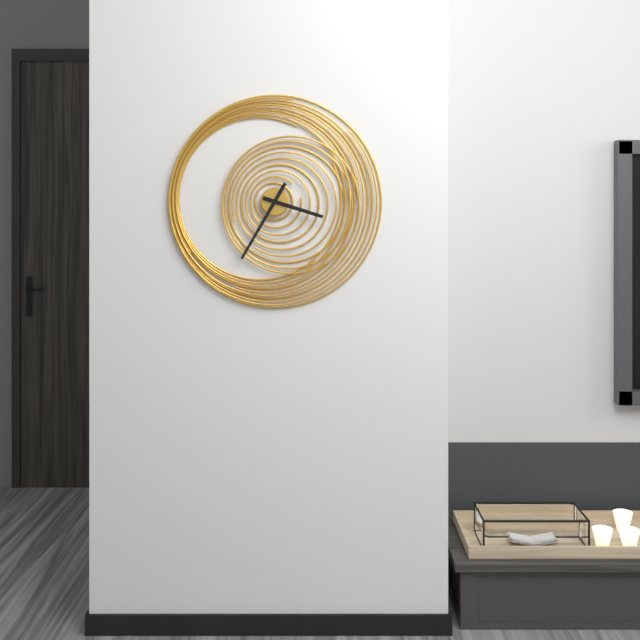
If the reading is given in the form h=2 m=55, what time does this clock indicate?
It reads h=3 m=35
